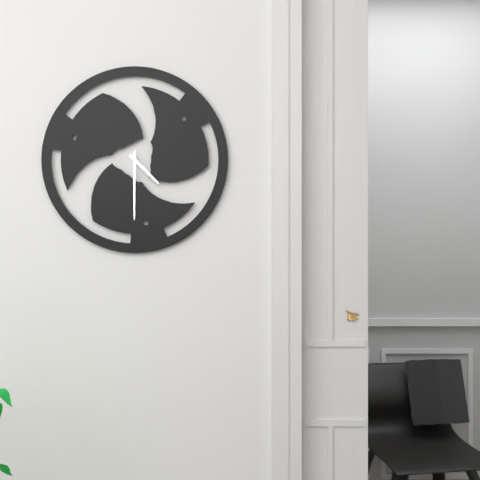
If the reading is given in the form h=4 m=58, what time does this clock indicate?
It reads h=4 m=30
